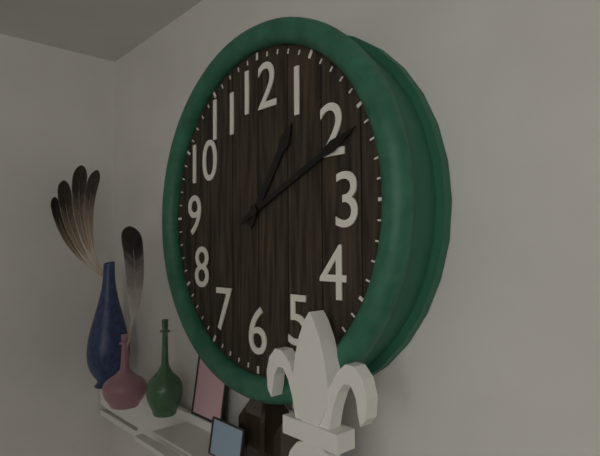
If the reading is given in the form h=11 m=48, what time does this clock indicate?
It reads h=1 m=11
